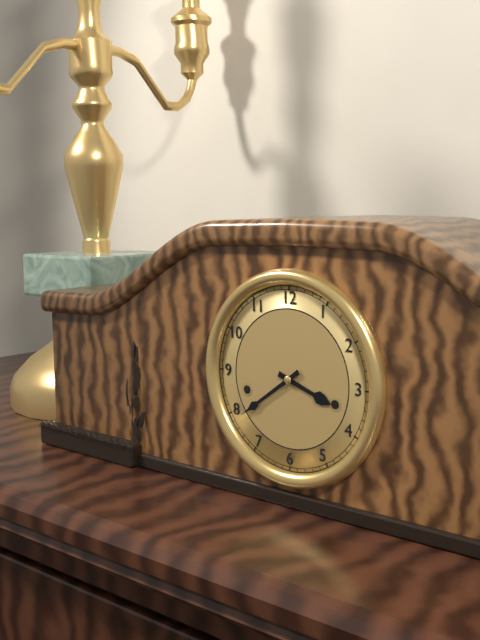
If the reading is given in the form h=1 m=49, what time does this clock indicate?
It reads h=3 m=39
